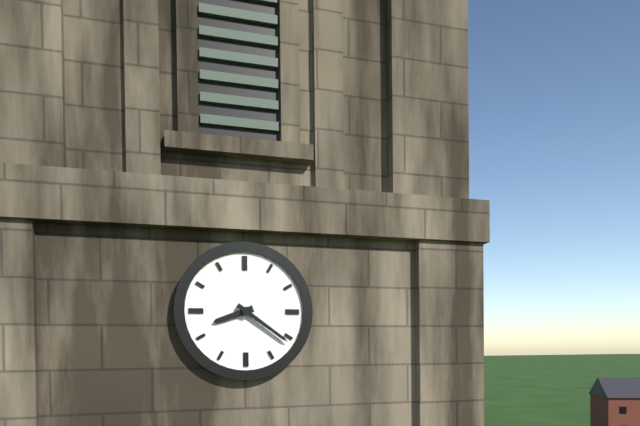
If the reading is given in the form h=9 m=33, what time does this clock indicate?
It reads h=8 m=21
